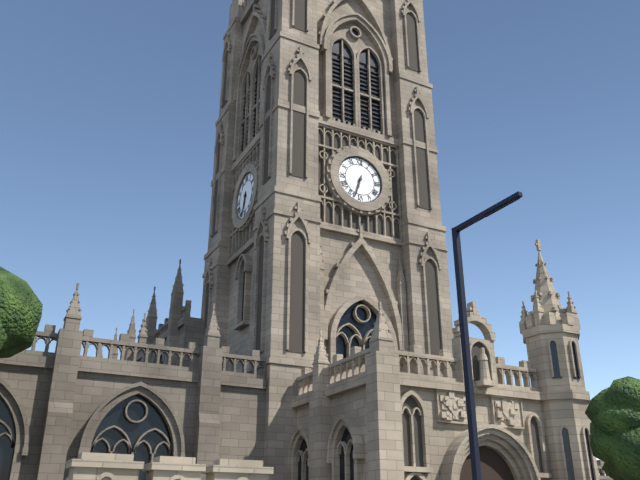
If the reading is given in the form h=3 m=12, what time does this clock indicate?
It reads h=6 m=33
